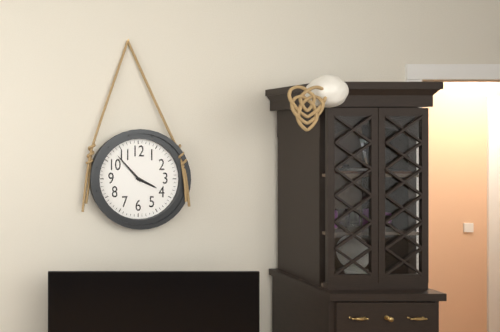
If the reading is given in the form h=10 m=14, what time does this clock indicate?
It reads h=3 m=53
